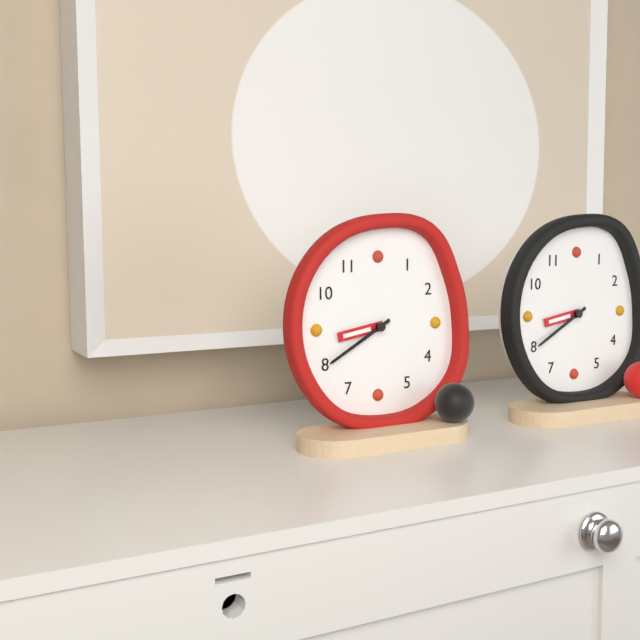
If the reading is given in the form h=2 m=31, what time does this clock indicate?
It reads h=8 m=40
